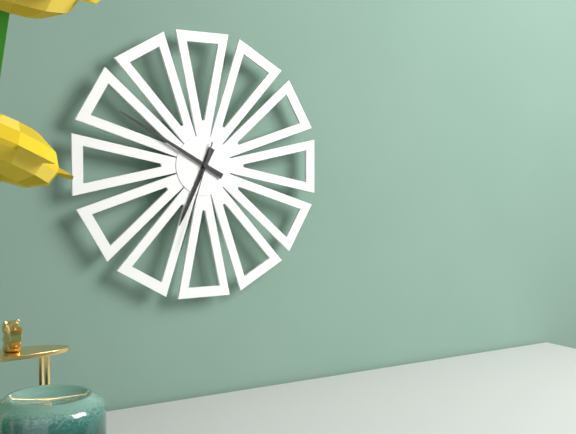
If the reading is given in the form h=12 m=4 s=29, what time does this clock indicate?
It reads h=6 m=50 s=33
